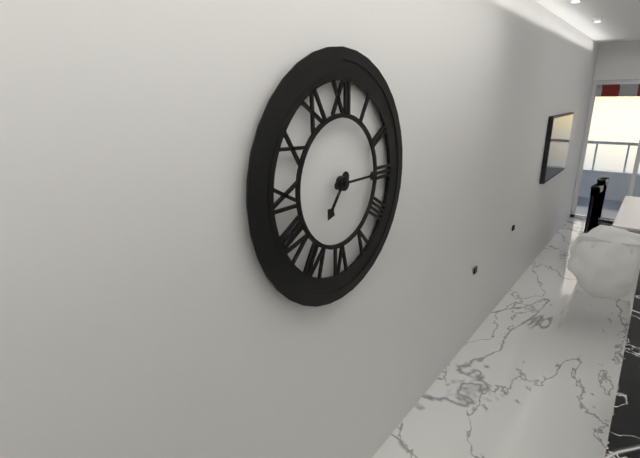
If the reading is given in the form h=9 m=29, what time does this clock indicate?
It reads h=7 m=15
